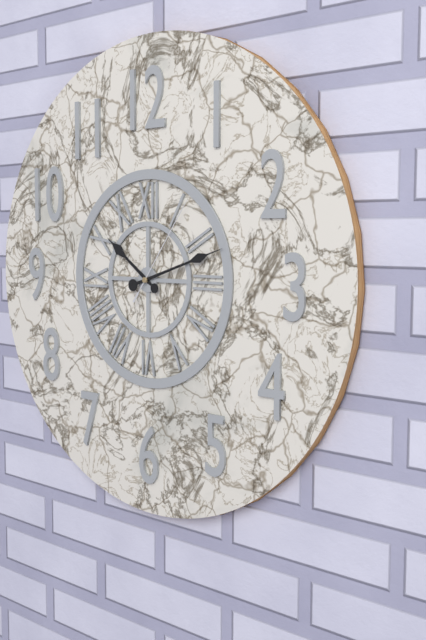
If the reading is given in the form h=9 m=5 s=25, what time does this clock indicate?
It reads h=10 m=12 s=6
